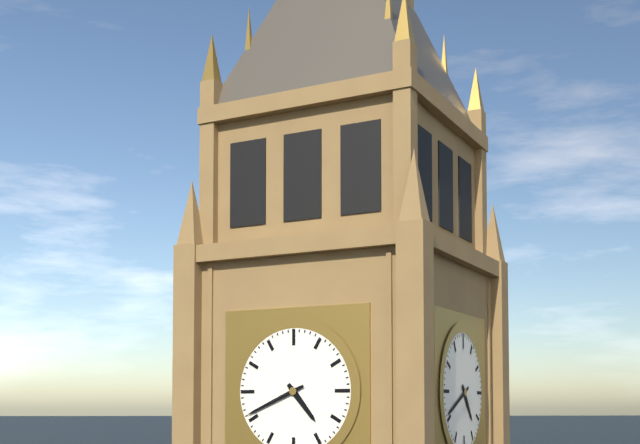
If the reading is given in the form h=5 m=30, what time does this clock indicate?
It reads h=4 m=41
